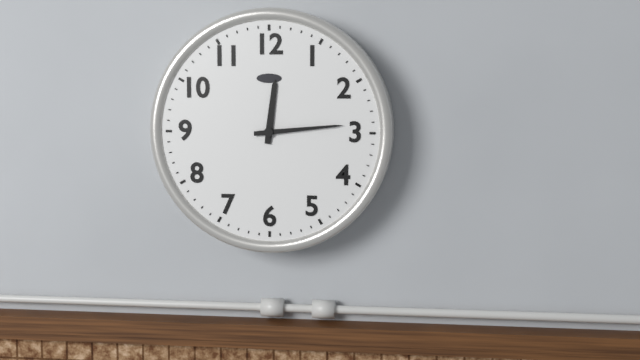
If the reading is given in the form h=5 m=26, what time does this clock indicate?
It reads h=12 m=14
